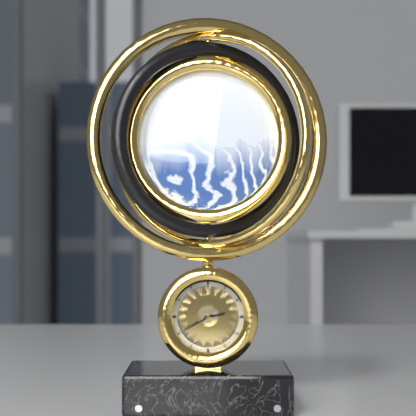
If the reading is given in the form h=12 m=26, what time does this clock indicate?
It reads h=2 m=40
